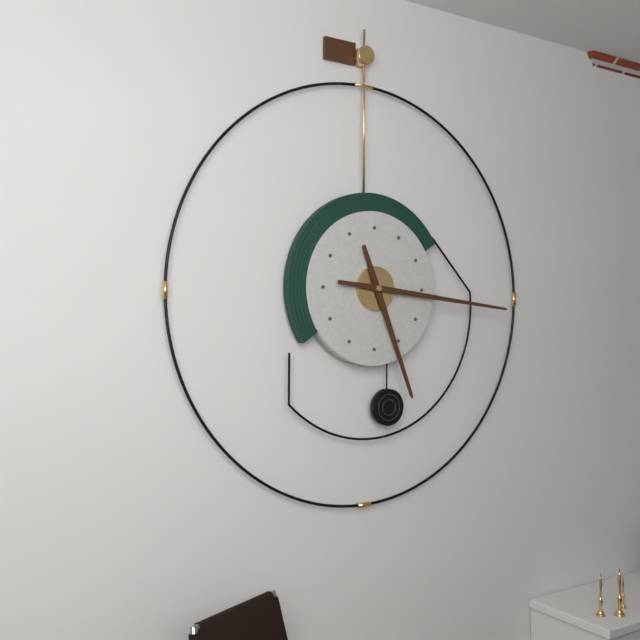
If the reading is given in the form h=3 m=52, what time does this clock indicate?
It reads h=5 m=16
